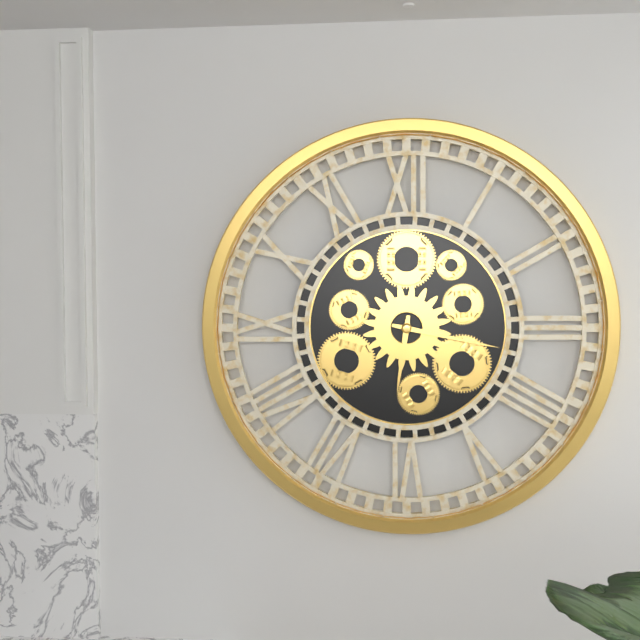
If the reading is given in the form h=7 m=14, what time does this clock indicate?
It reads h=6 m=17
